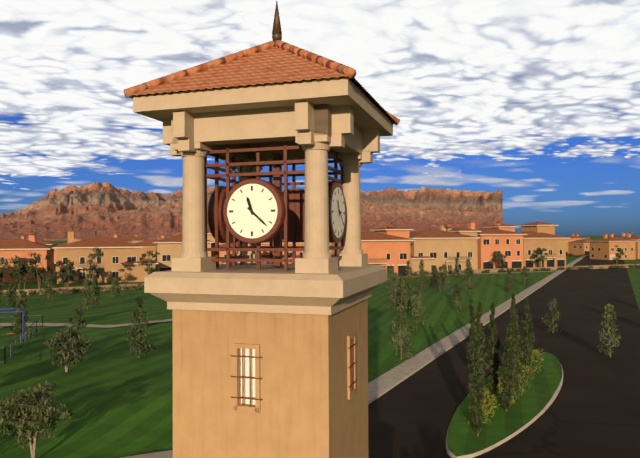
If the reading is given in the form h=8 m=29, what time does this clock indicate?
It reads h=11 m=22
